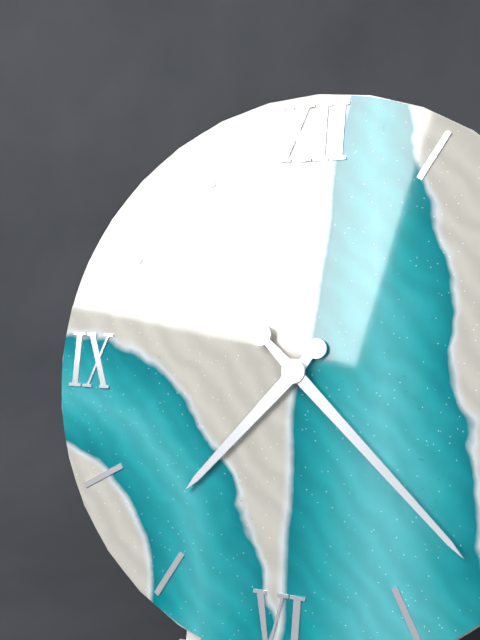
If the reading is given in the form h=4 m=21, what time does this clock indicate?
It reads h=7 m=22
